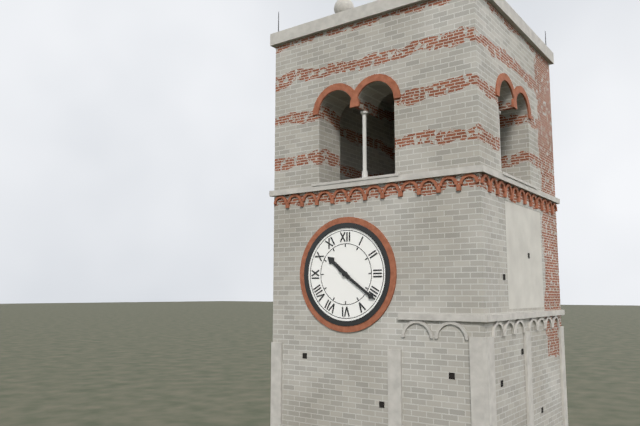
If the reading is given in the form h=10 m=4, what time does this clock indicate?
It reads h=10 m=21
